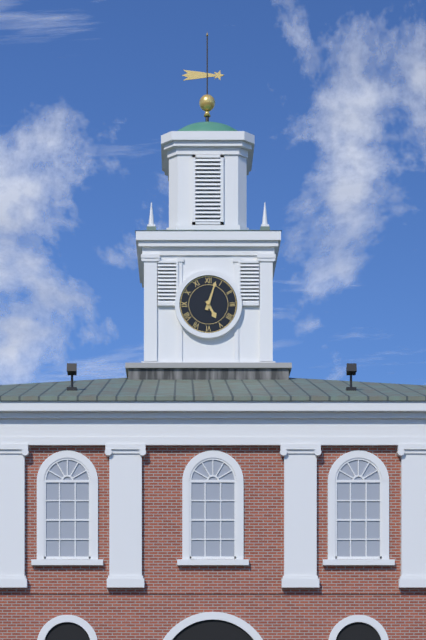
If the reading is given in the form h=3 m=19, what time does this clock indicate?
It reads h=5 m=3
